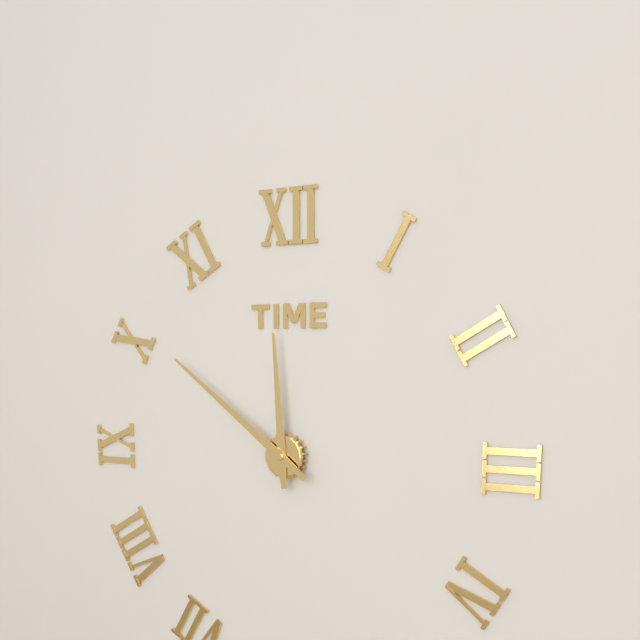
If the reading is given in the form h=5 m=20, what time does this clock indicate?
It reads h=11 m=51
